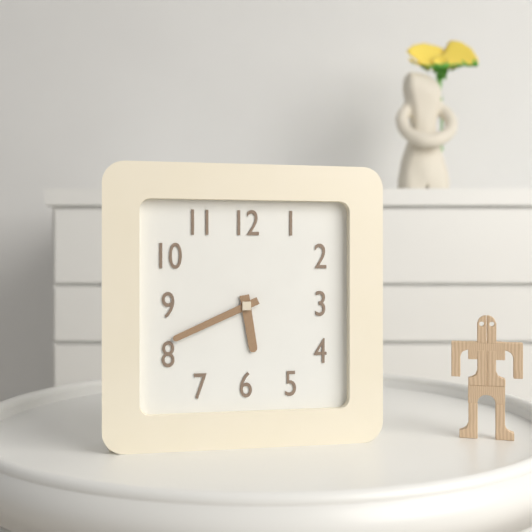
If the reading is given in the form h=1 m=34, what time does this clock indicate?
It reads h=5 m=41
